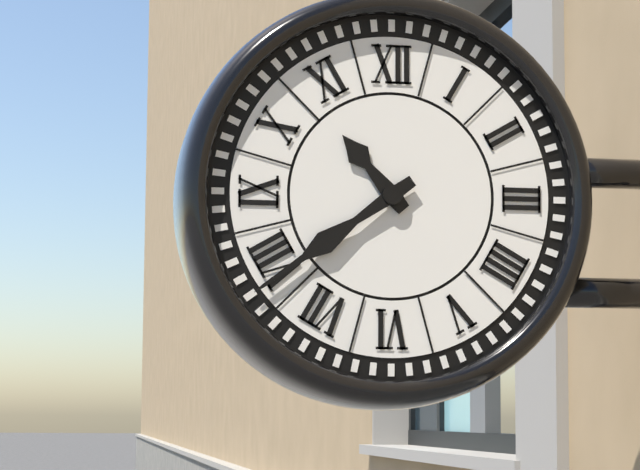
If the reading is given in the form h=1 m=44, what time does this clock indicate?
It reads h=10 m=39
